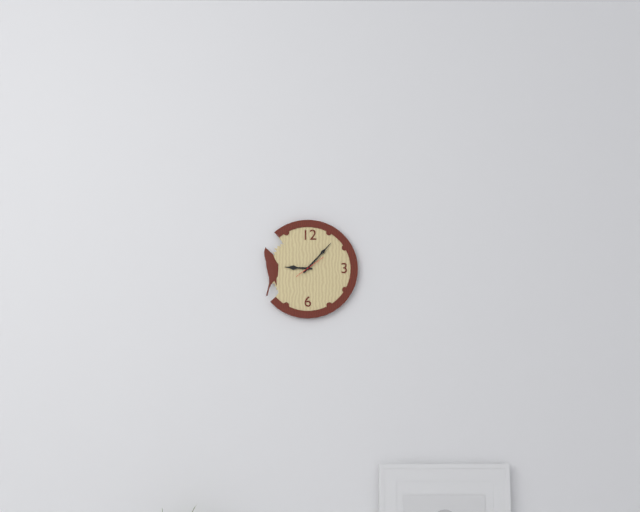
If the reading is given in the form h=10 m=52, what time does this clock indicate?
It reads h=9 m=7
